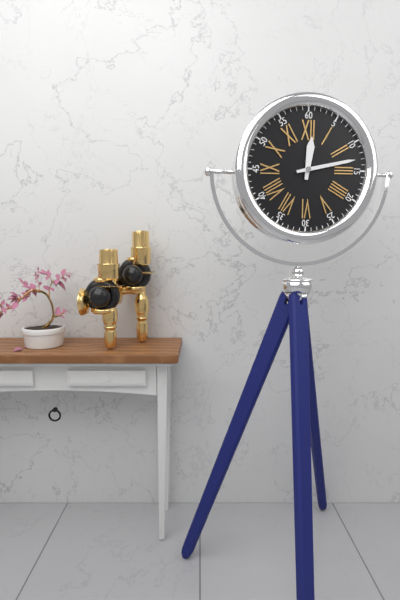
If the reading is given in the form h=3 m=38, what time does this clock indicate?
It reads h=12 m=13
